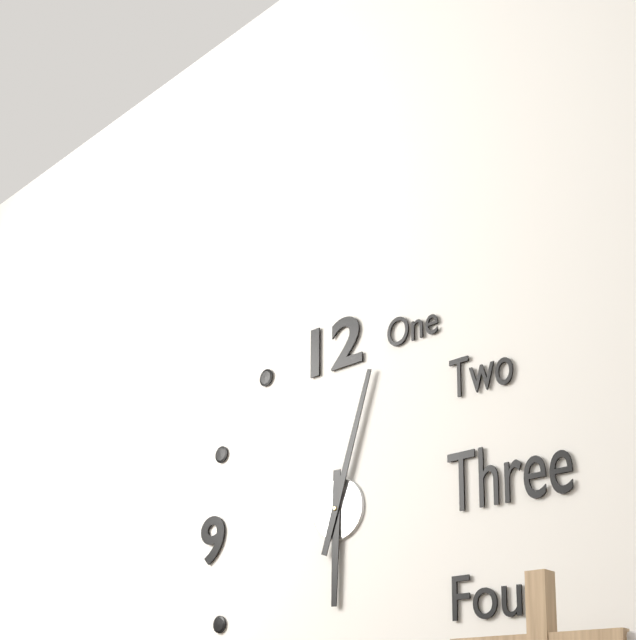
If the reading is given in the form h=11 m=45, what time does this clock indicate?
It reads h=6 m=3
